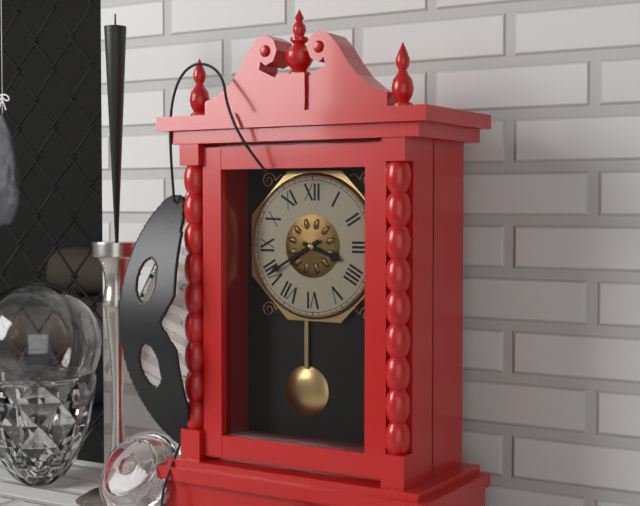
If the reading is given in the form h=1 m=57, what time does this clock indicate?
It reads h=3 m=40
